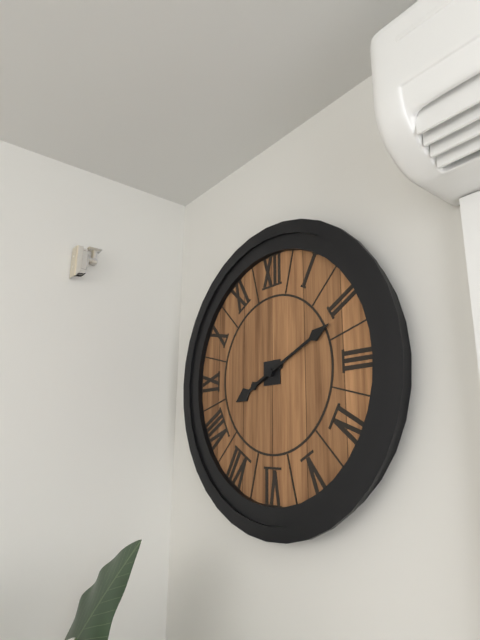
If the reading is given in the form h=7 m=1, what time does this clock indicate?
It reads h=8 m=11
